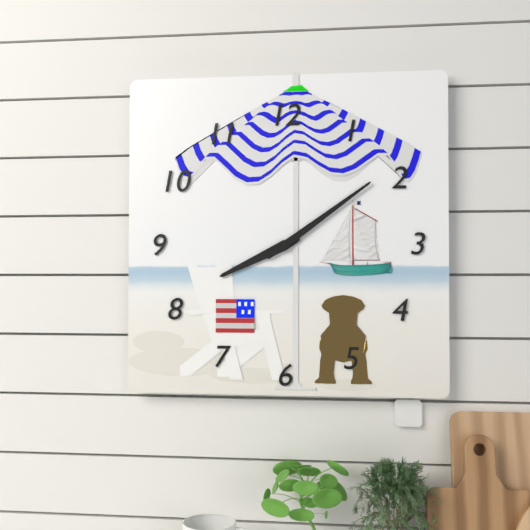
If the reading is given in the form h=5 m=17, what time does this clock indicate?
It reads h=8 m=9
